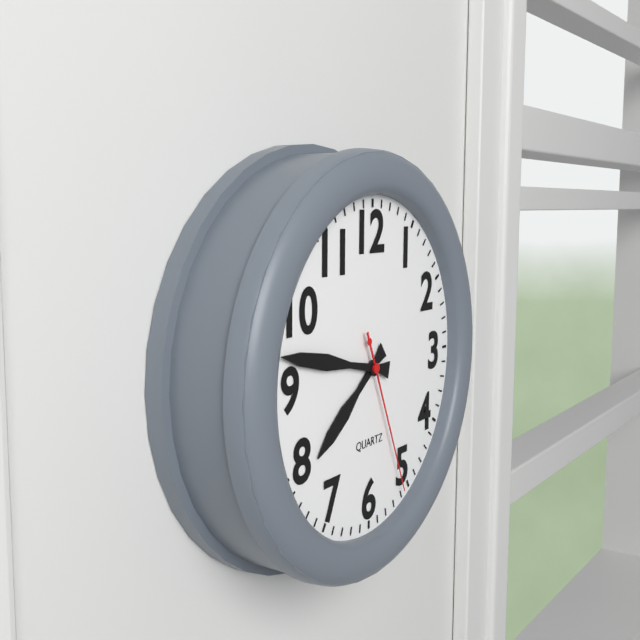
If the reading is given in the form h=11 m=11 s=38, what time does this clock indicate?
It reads h=7 m=47 s=26
